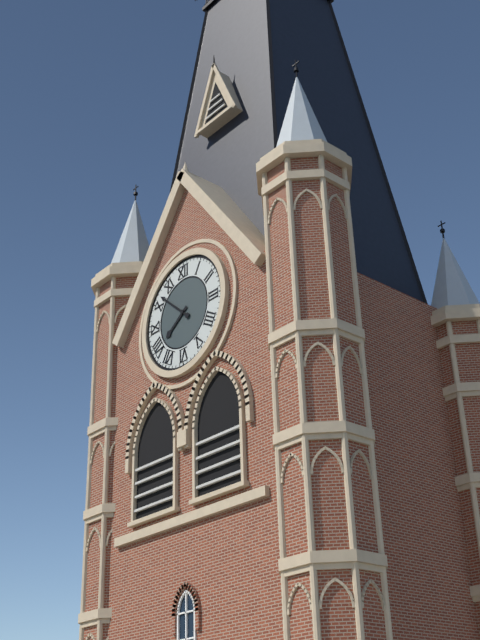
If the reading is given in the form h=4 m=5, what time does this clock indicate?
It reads h=7 m=52
